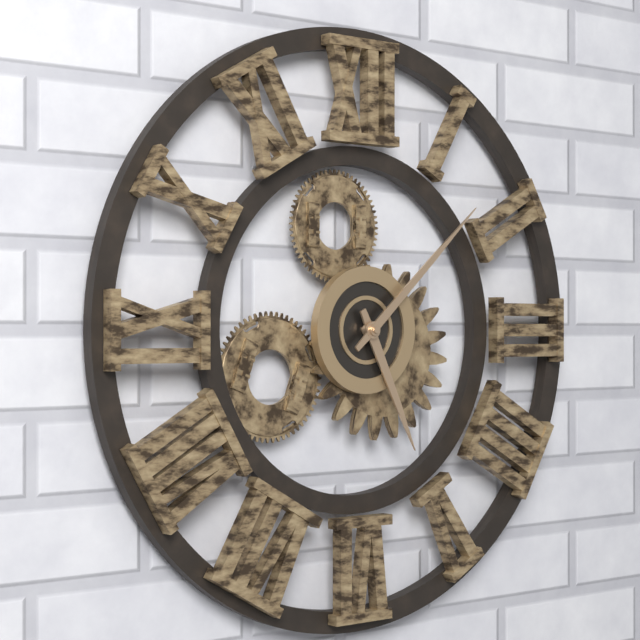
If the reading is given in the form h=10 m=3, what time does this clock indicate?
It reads h=5 m=8
